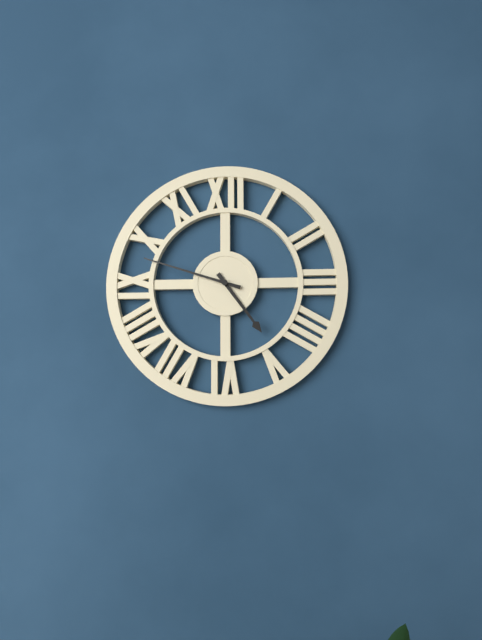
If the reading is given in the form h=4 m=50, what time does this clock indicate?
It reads h=4 m=48
